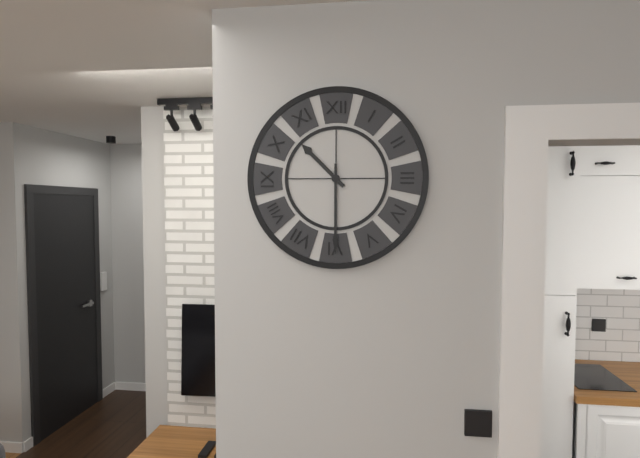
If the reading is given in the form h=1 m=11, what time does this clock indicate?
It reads h=10 m=30
